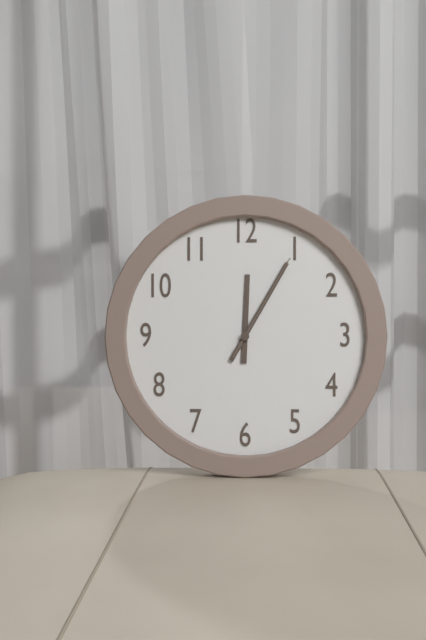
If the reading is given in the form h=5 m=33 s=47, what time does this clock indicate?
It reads h=12 m=5 s=5
